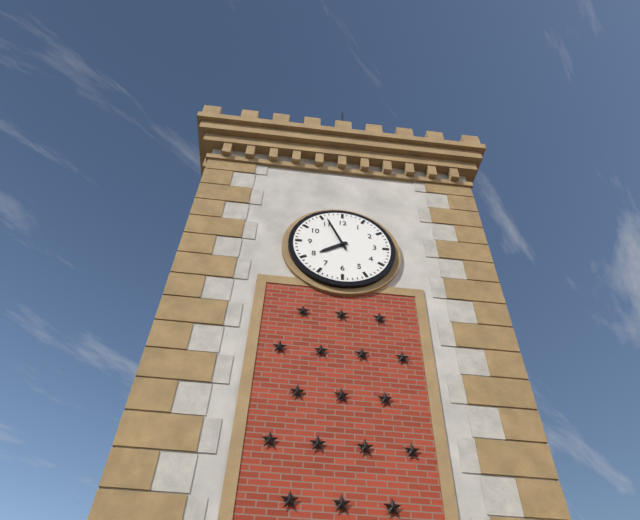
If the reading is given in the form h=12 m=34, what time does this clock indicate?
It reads h=7 m=56
